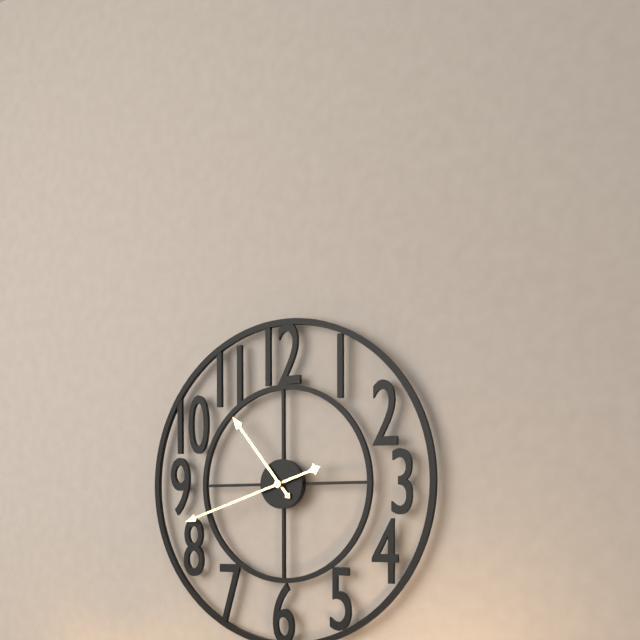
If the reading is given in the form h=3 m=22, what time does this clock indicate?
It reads h=10 m=42
